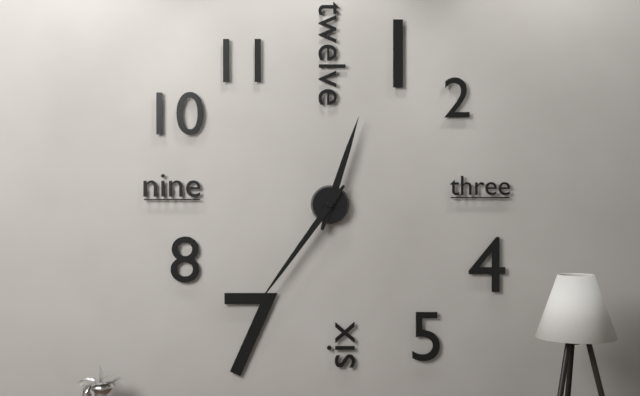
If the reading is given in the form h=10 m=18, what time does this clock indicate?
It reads h=12 m=36
